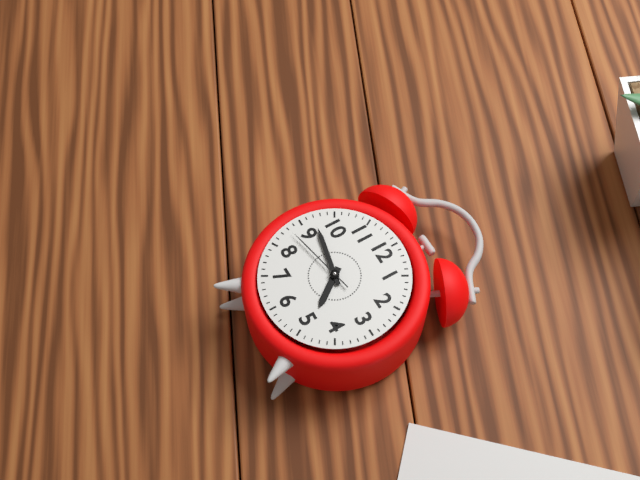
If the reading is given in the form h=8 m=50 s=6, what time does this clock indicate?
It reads h=4 m=47 s=43
